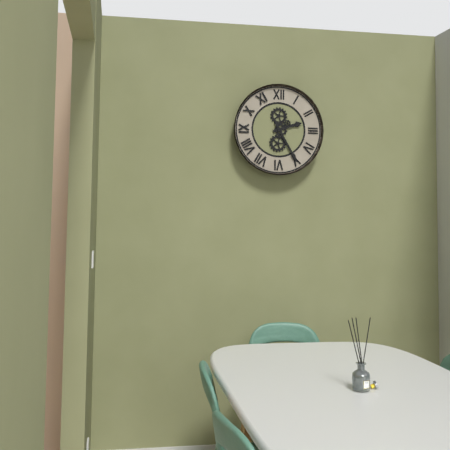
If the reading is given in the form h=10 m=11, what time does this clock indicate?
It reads h=2 m=25
